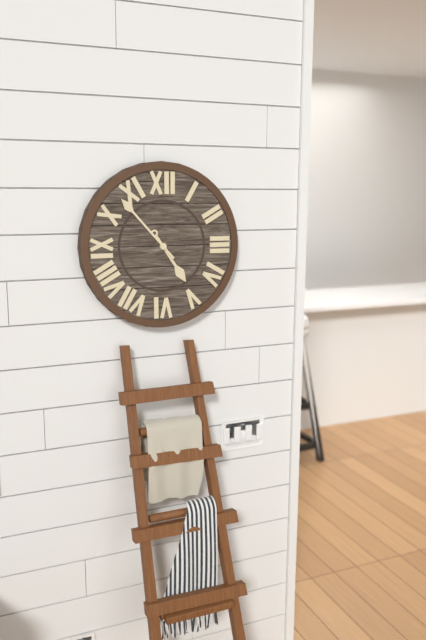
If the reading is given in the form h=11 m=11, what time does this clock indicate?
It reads h=4 m=53
